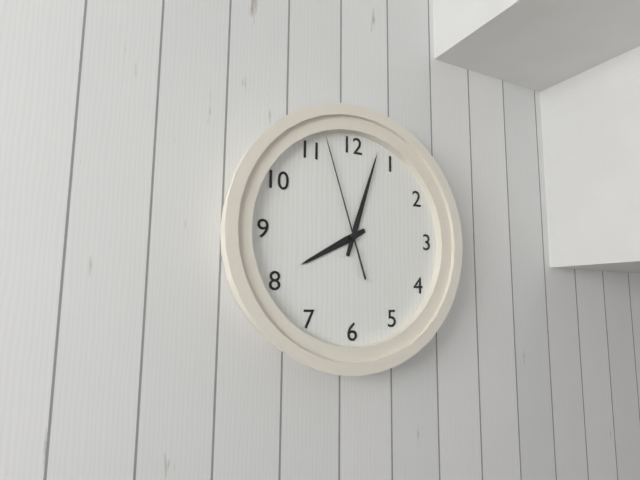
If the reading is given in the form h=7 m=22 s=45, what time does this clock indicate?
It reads h=8 m=3 s=57
